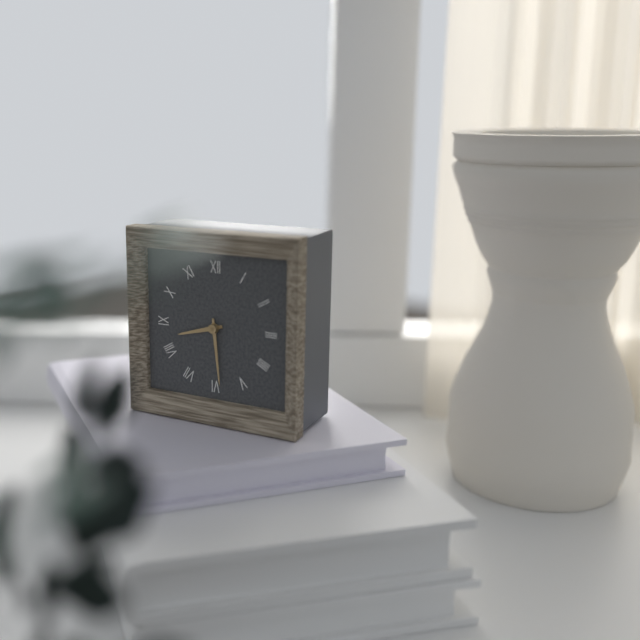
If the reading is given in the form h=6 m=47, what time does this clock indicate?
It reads h=8 m=29
